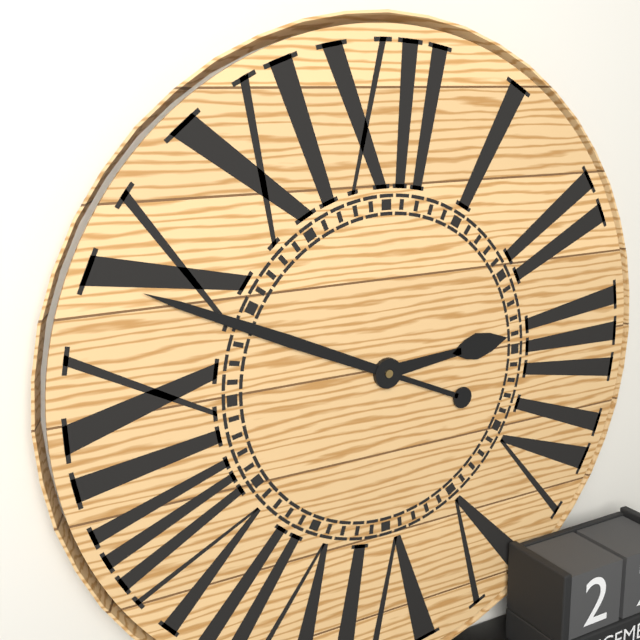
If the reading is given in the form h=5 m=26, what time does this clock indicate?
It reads h=2 m=49
